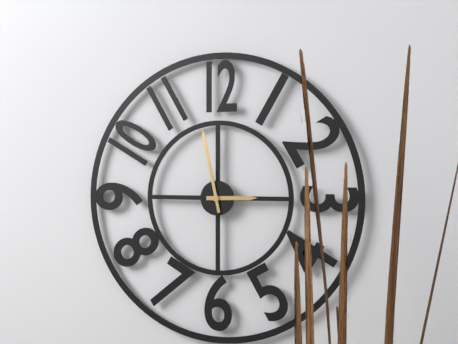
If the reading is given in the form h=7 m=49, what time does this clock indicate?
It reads h=2 m=58
